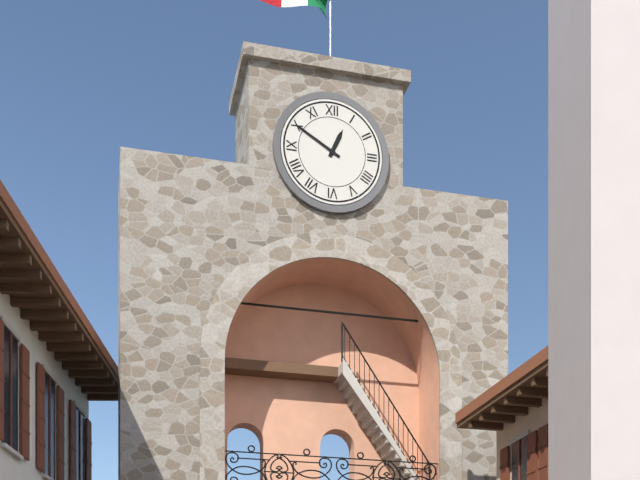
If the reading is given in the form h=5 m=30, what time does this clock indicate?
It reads h=12 m=50
